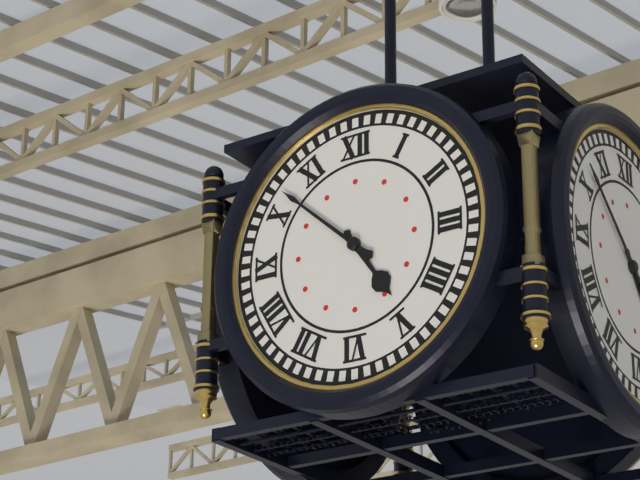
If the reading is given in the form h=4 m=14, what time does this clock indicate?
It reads h=4 m=52
